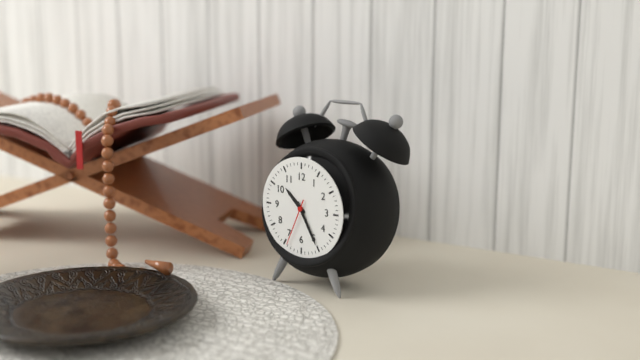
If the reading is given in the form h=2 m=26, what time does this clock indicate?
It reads h=10 m=25
